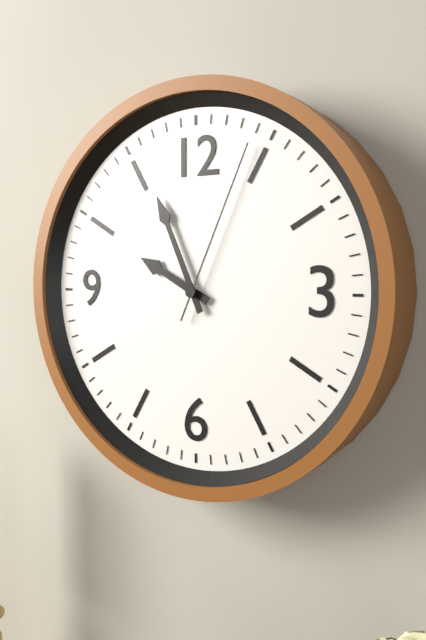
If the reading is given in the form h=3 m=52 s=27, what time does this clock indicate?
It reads h=9 m=56 s=4
